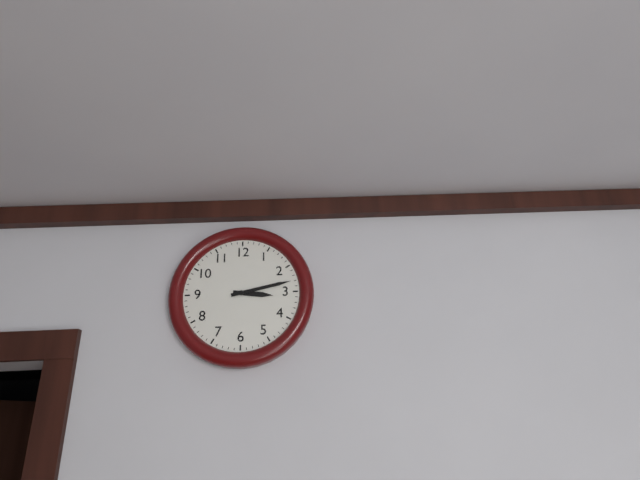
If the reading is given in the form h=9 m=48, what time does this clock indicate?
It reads h=3 m=13
